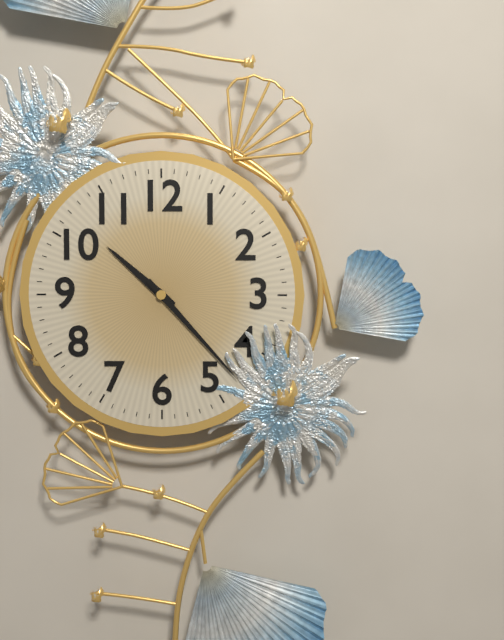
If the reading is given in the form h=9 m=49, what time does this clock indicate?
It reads h=10 m=23
